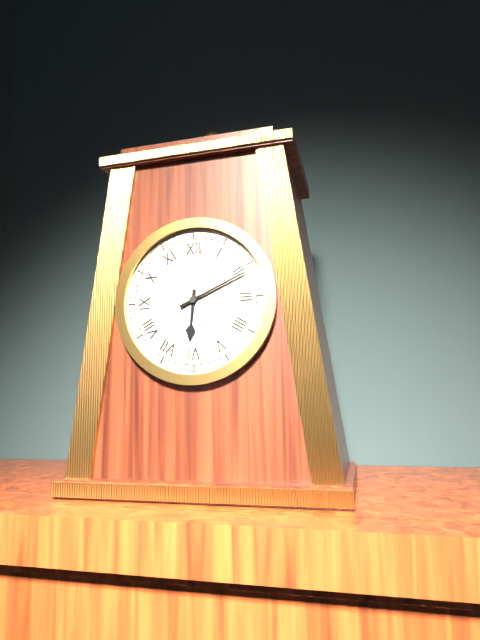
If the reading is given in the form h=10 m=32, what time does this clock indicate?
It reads h=6 m=11
